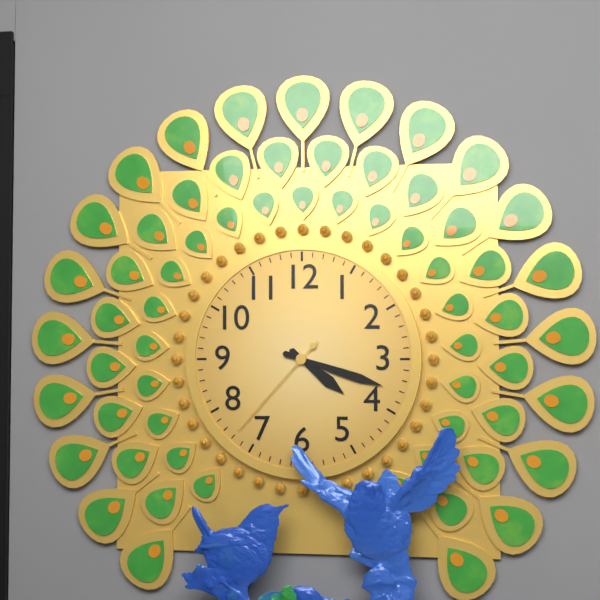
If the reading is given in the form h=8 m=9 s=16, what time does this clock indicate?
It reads h=4 m=18 s=37
